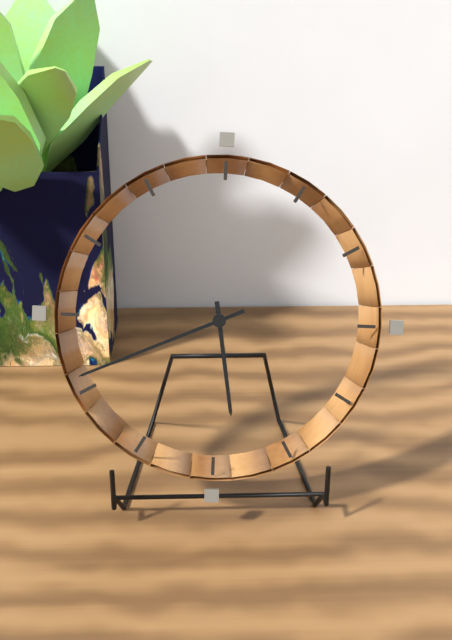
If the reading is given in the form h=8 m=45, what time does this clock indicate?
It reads h=5 m=41
